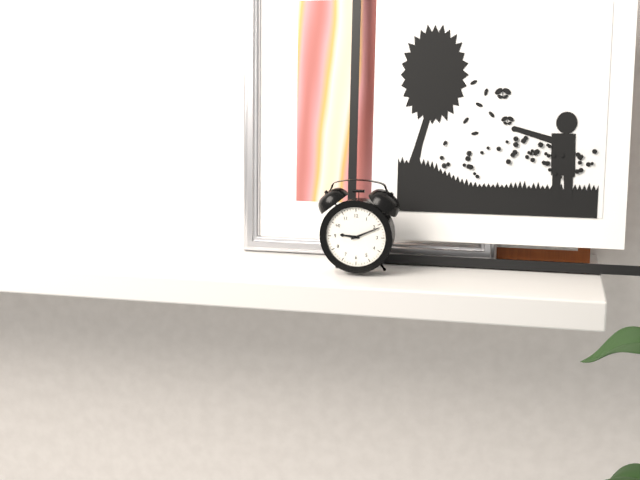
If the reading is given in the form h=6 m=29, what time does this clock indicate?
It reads h=9 m=11
